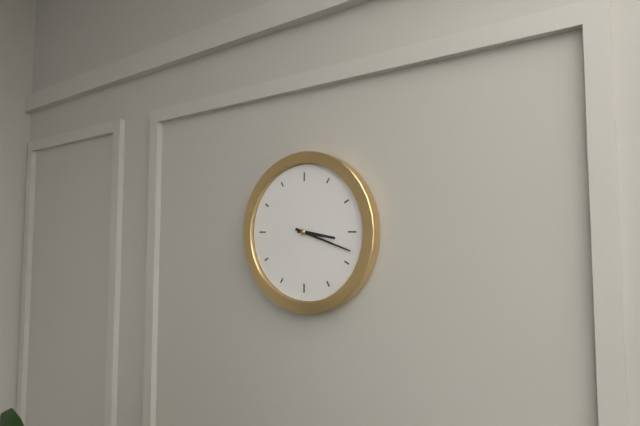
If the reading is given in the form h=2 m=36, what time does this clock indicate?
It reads h=3 m=18
